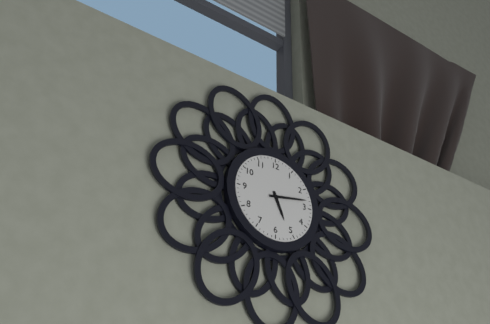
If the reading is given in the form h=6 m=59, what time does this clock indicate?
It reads h=5 m=13
